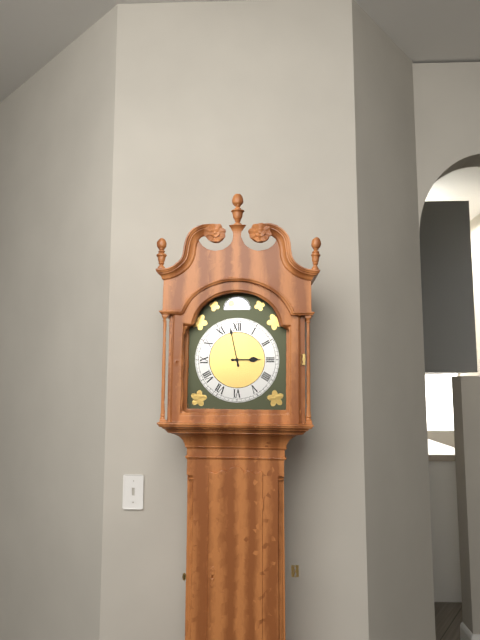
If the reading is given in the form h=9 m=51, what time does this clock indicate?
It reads h=2 m=58
